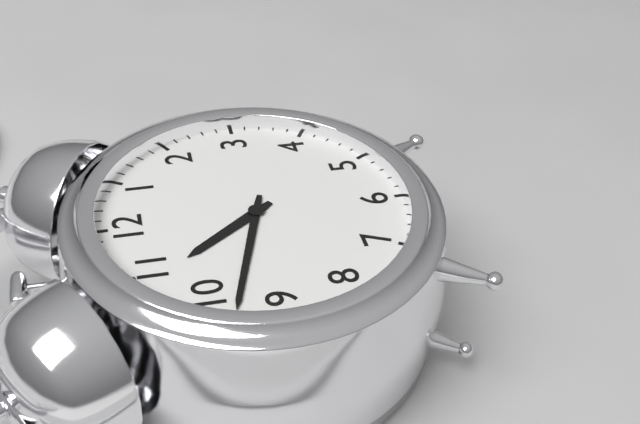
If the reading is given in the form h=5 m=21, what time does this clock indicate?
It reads h=10 m=48
